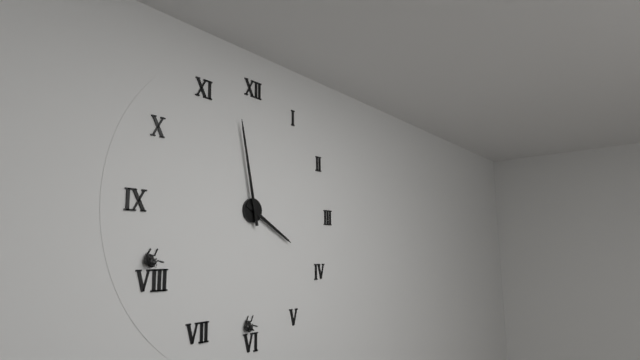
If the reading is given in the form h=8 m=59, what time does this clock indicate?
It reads h=3 m=58
